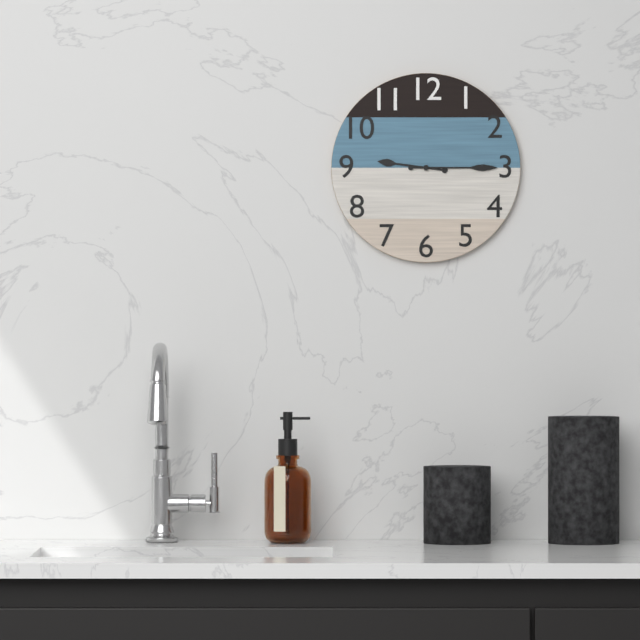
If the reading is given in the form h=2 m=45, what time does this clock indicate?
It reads h=9 m=15
